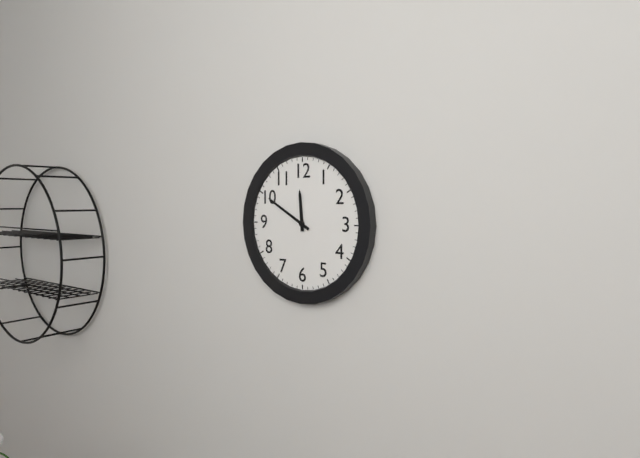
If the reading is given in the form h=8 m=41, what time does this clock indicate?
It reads h=11 m=50
